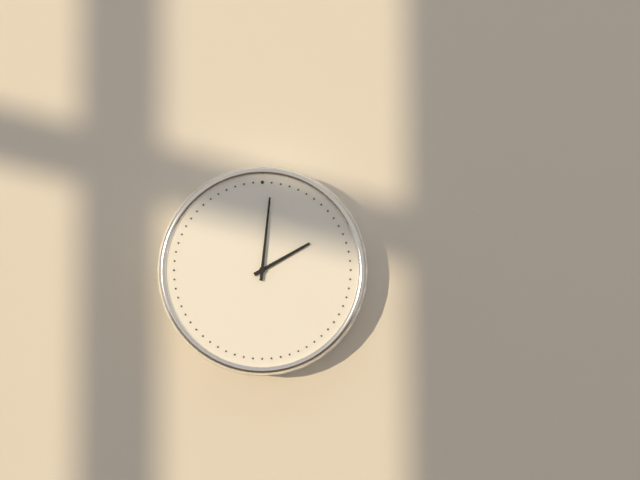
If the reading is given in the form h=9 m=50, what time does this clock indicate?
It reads h=2 m=1
